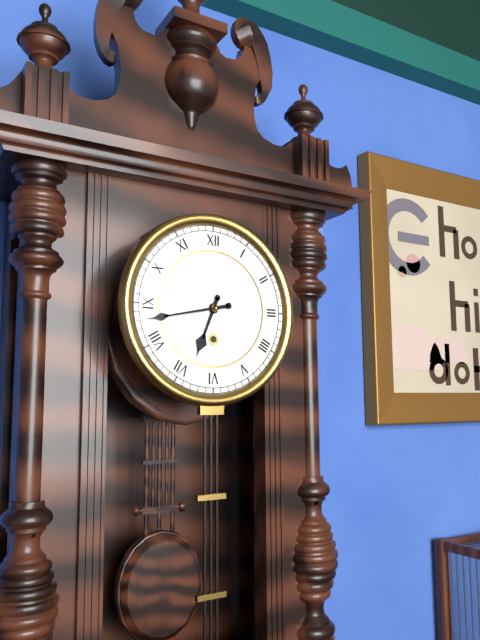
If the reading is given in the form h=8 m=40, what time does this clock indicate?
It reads h=6 m=43
